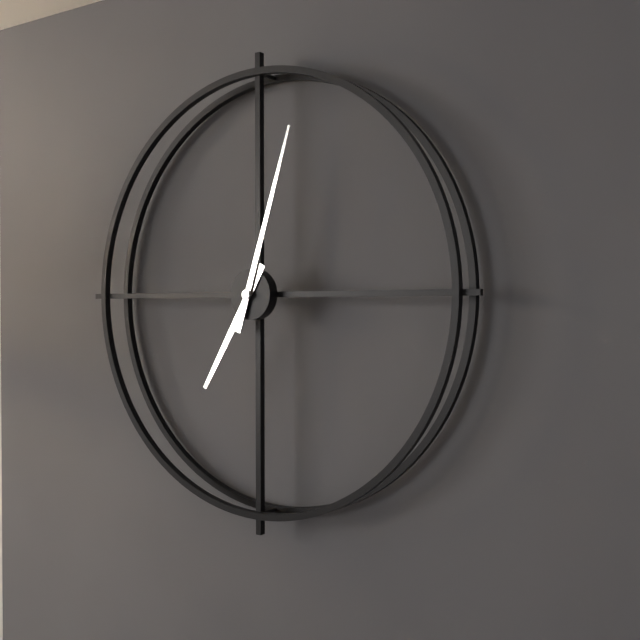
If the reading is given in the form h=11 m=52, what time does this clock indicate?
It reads h=7 m=3
